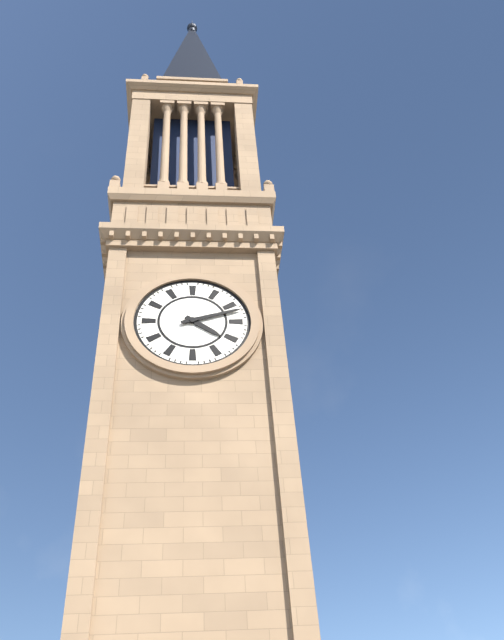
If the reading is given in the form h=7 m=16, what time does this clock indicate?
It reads h=4 m=12
